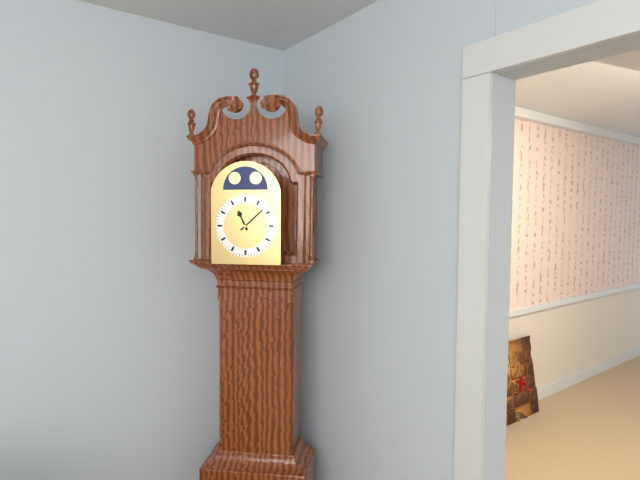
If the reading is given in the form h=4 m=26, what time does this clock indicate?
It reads h=11 m=8
